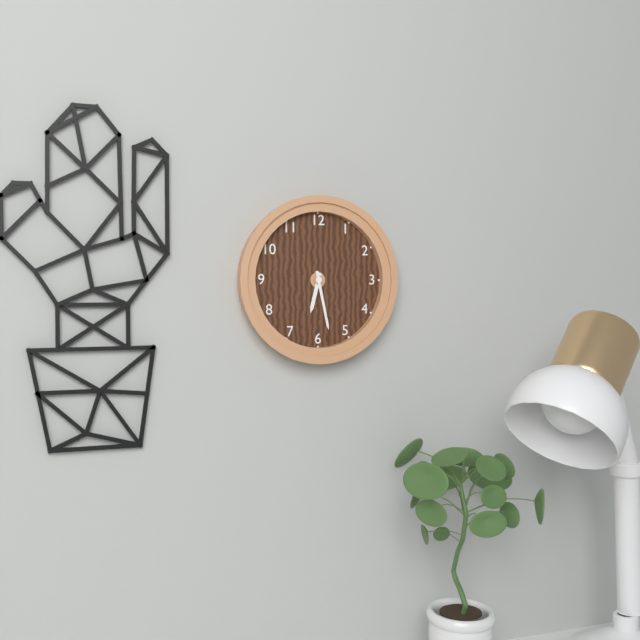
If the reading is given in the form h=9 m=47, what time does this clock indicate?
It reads h=6 m=28
